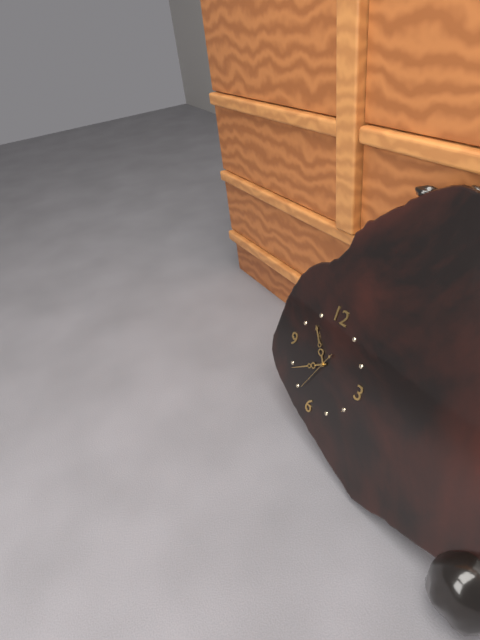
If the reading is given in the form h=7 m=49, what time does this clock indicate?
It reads h=10 m=39
